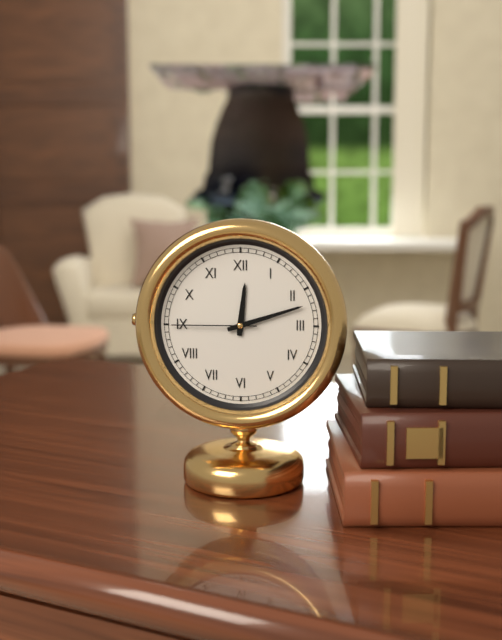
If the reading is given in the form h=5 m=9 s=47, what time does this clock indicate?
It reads h=12 m=12 s=45
